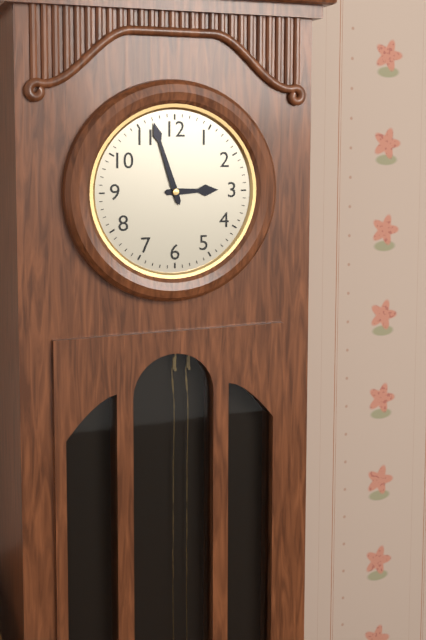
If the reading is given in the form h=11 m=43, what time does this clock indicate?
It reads h=2 m=57
